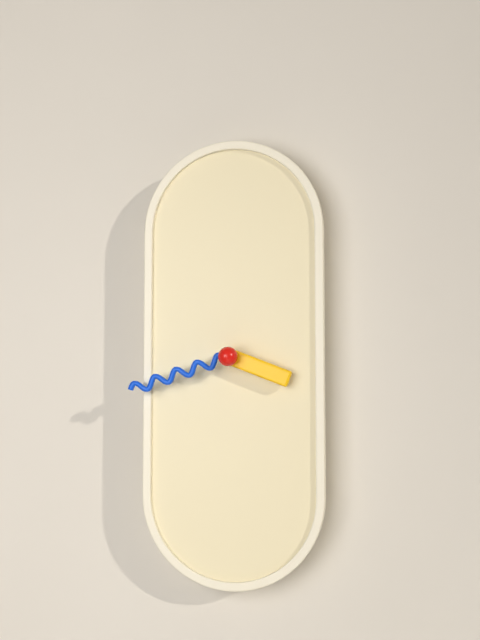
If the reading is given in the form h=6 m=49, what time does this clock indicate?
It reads h=3 m=42
